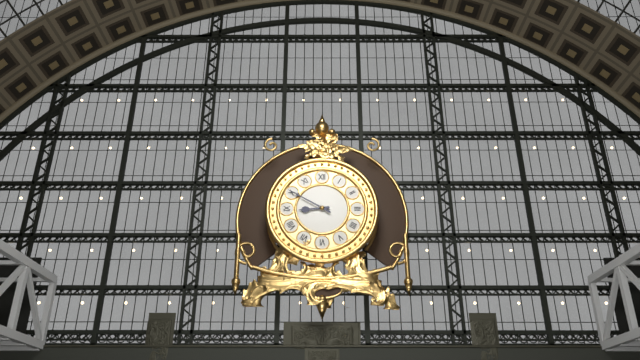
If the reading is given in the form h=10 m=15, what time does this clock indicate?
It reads h=8 m=50
